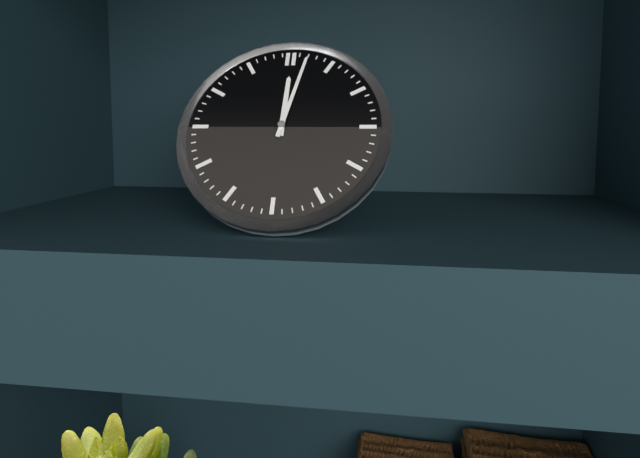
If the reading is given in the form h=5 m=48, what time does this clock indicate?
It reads h=12 m=2
